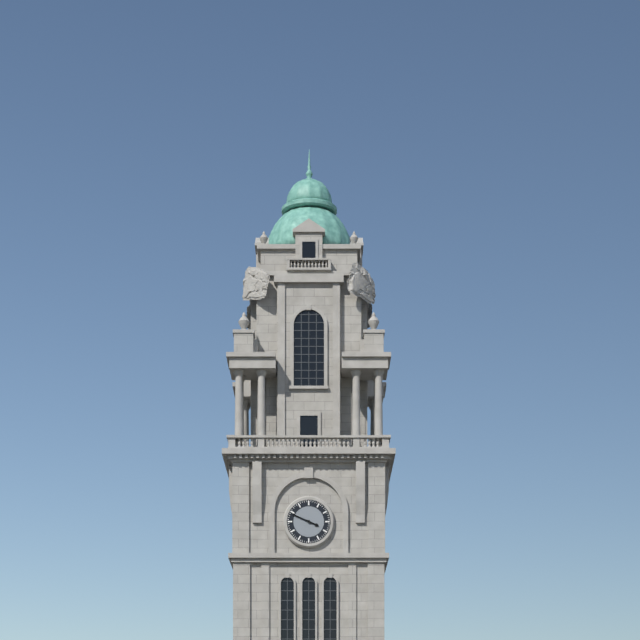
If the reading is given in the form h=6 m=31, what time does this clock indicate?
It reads h=3 m=49
